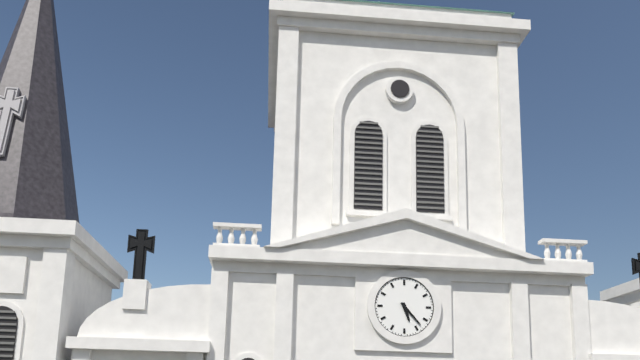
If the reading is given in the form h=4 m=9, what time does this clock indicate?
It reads h=5 m=23
